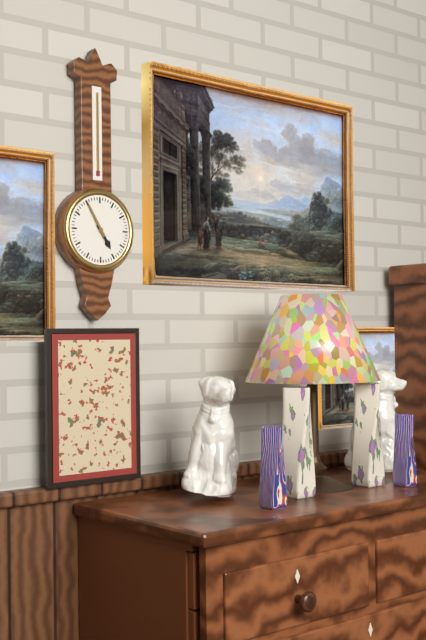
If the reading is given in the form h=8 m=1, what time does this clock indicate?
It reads h=4 m=55
